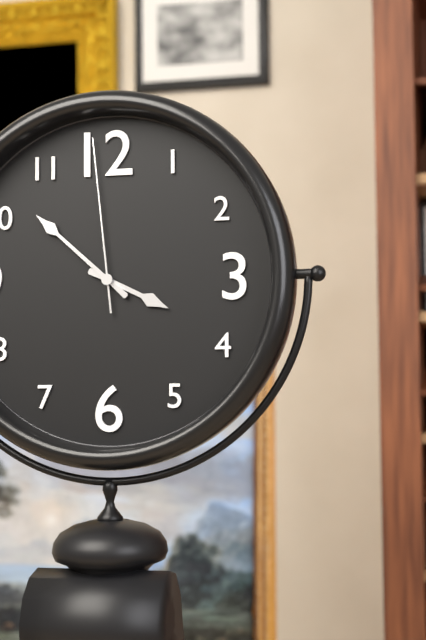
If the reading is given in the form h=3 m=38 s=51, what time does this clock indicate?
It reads h=3 m=52 s=59
